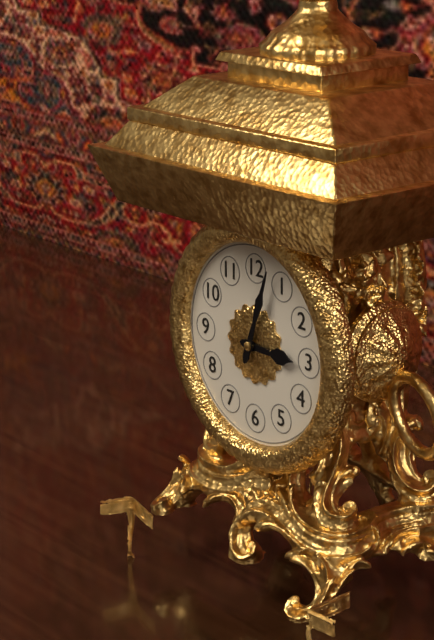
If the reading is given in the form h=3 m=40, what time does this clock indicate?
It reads h=3 m=3
